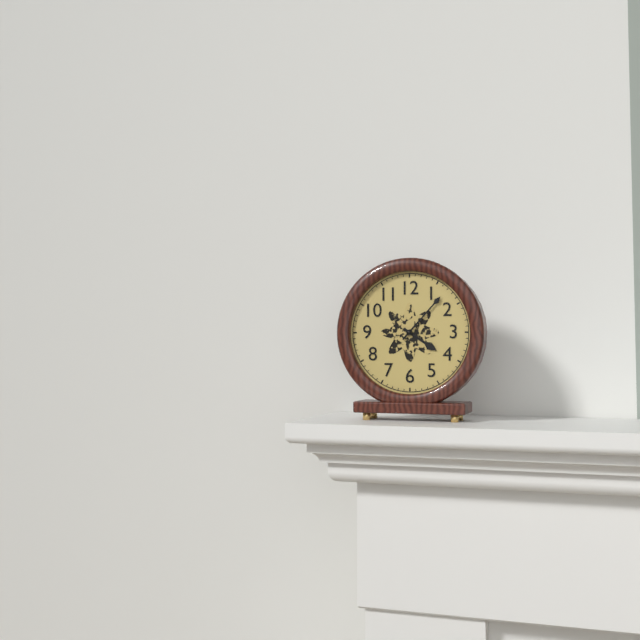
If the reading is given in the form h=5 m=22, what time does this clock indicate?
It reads h=4 m=7
